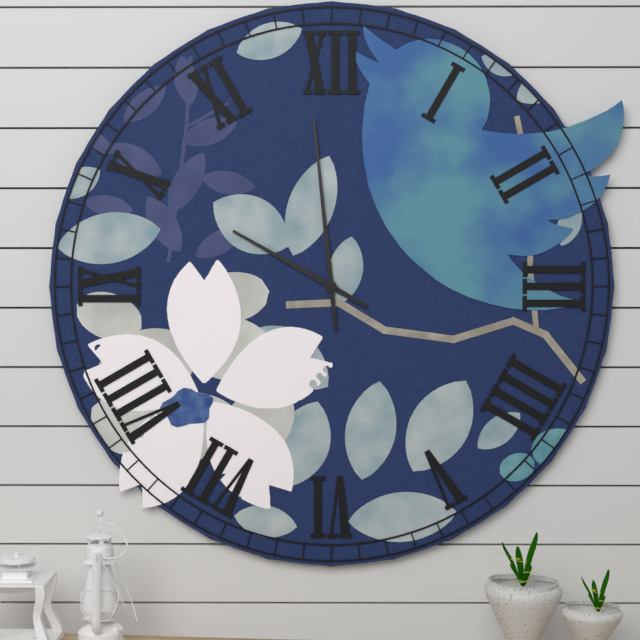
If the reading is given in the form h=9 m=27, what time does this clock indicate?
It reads h=9 m=59
